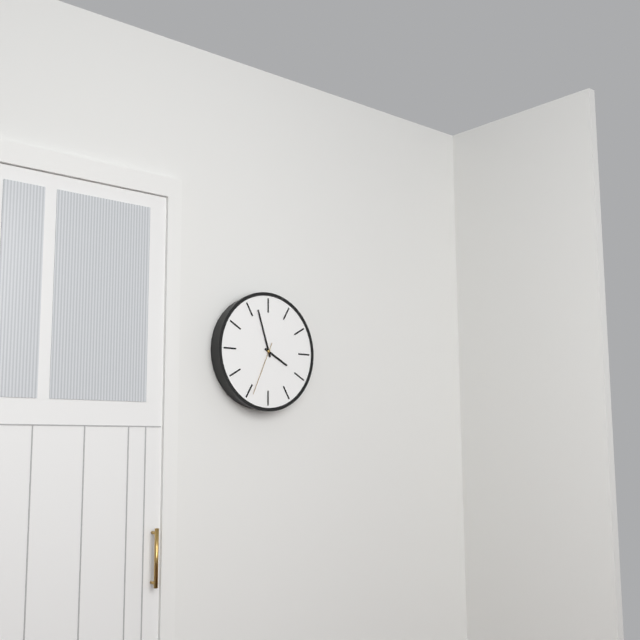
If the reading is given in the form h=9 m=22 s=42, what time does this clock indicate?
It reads h=3 m=57 s=34
